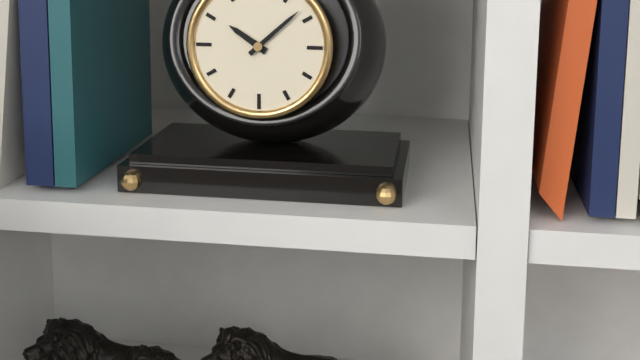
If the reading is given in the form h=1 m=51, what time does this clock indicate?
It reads h=10 m=8
